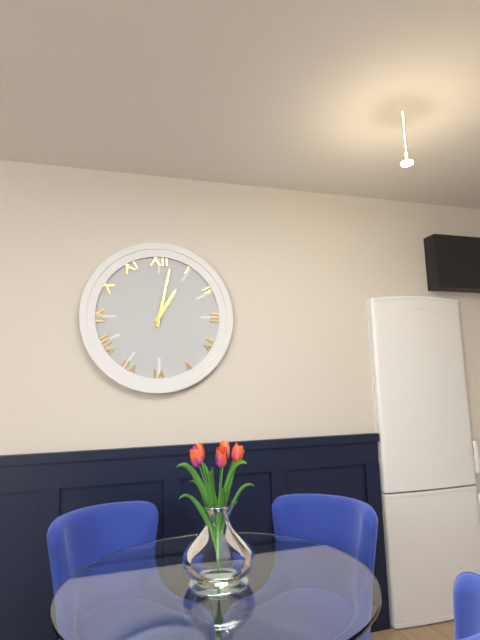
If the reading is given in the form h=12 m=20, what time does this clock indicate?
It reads h=1 m=2
